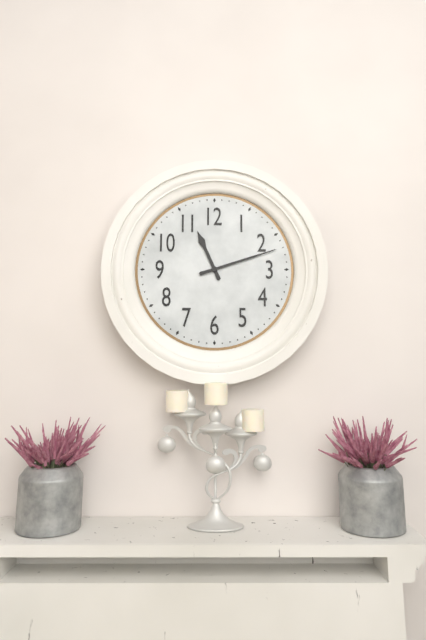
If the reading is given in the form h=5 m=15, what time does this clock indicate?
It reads h=11 m=12
